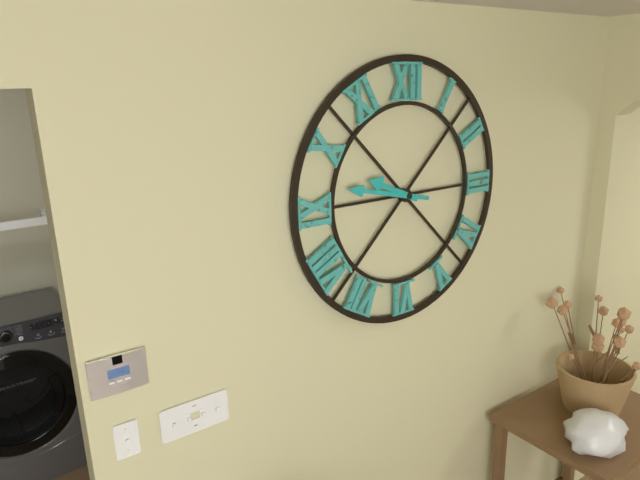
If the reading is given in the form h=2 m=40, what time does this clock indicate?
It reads h=9 m=47
